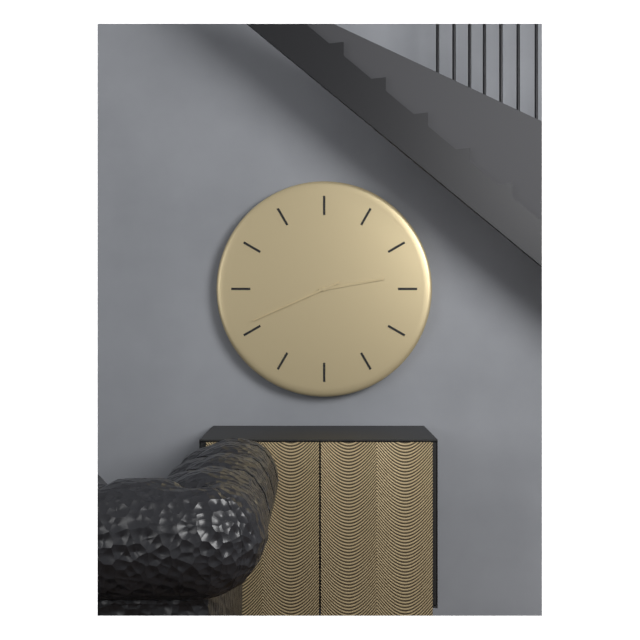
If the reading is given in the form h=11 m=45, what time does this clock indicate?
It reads h=2 m=41
